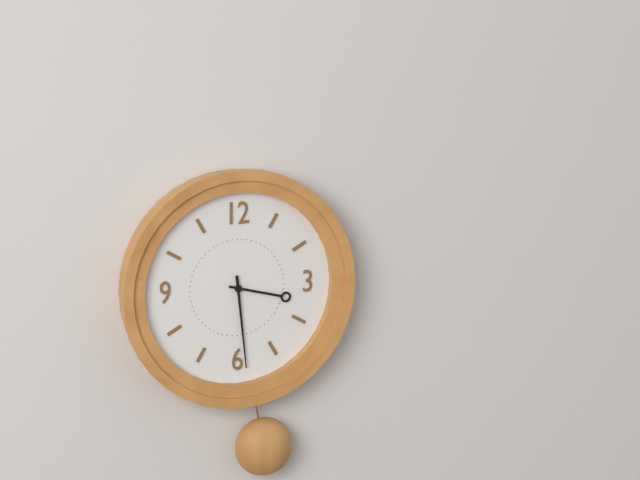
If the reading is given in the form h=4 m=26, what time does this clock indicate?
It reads h=3 m=29
